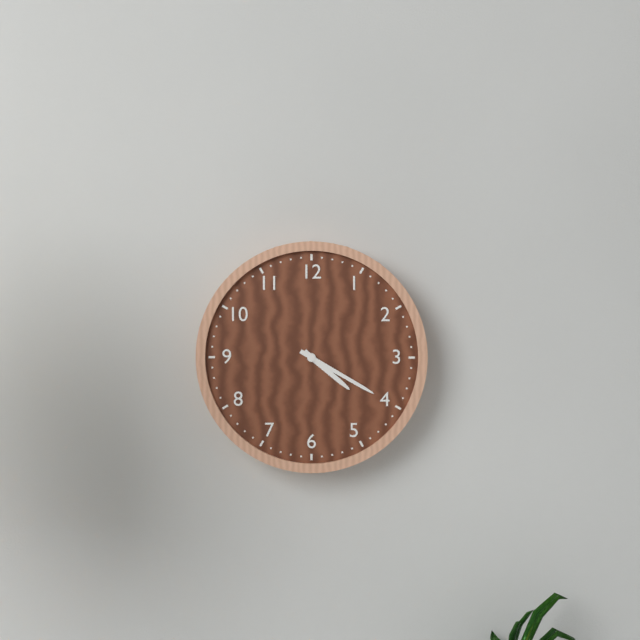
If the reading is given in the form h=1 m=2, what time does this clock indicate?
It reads h=4 m=20
